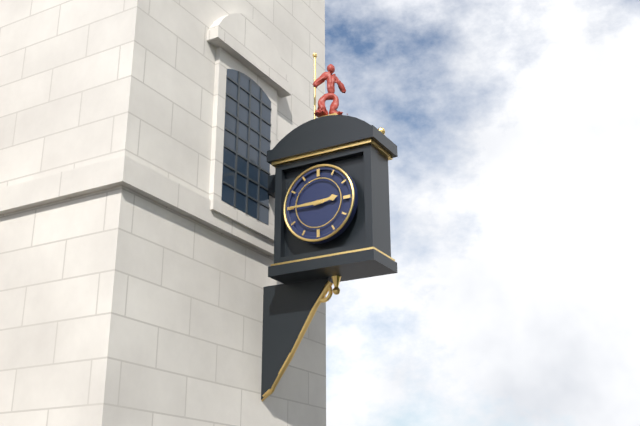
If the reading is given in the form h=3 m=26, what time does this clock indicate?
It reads h=2 m=45
